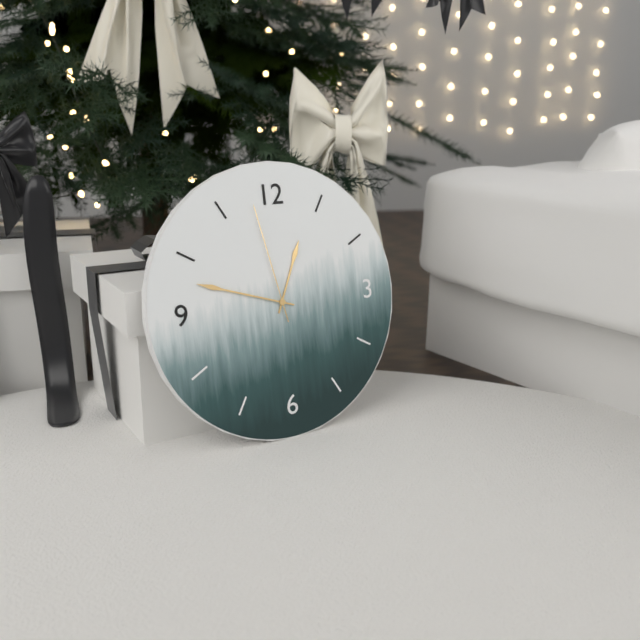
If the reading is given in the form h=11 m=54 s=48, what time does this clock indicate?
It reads h=12 m=48 s=58
